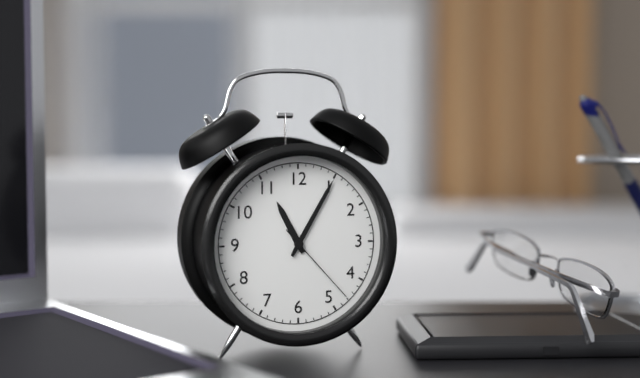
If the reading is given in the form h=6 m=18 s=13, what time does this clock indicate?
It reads h=11 m=5 s=23
